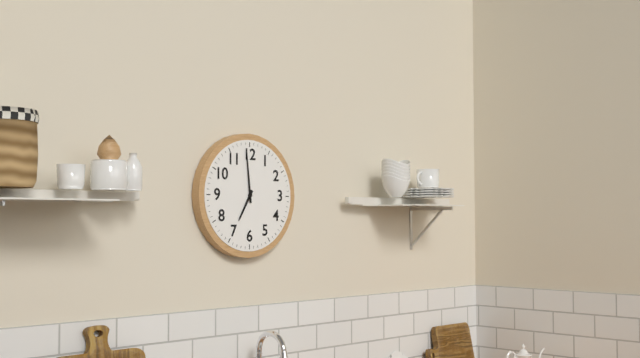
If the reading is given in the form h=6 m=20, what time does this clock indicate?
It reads h=6 m=59
